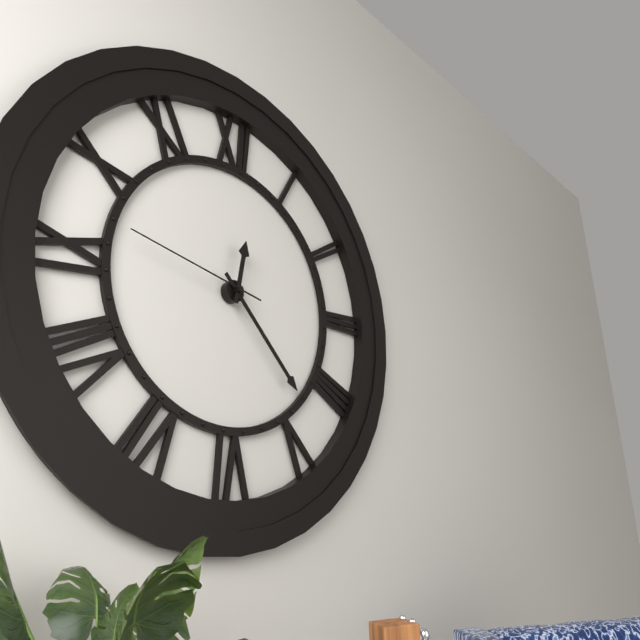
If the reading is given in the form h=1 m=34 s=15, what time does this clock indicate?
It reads h=12 m=23 s=47
